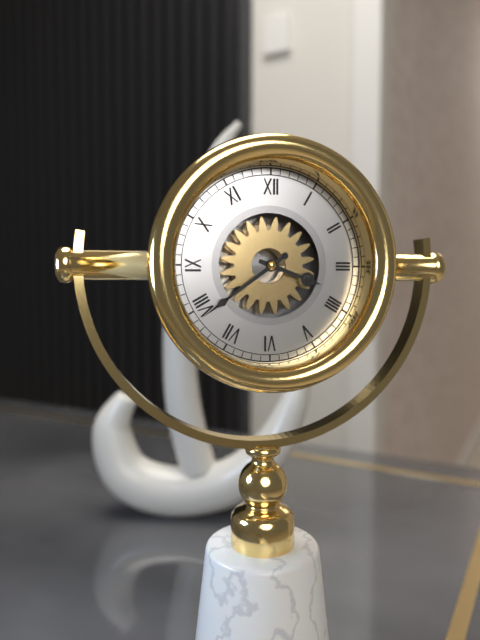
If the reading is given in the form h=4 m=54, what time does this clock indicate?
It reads h=3 m=39
